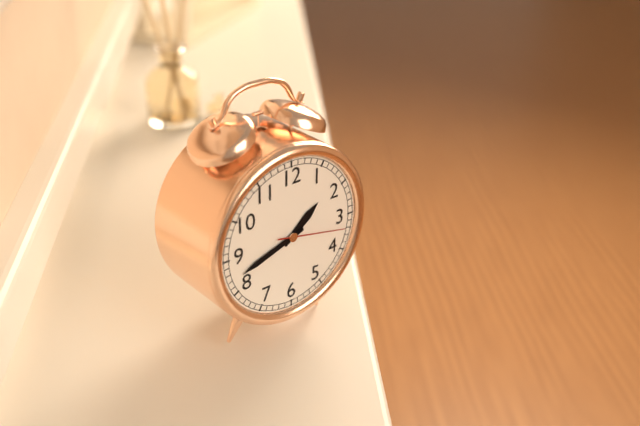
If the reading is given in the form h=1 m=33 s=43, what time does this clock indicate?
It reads h=1 m=42 s=17
